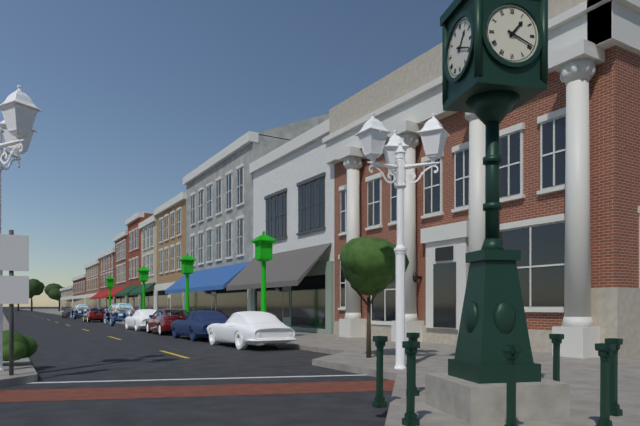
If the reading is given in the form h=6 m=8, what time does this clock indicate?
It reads h=1 m=19
